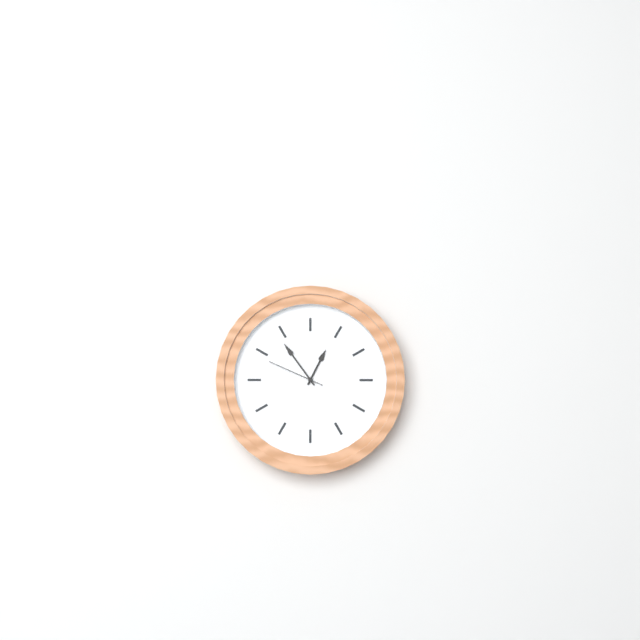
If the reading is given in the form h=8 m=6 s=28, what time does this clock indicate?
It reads h=12 m=54 s=49
